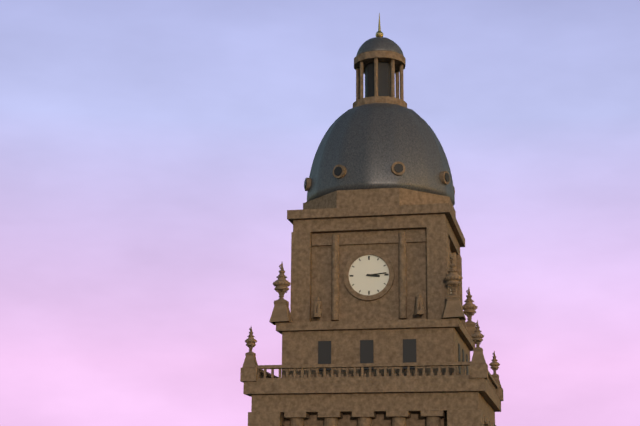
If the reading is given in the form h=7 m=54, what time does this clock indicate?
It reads h=3 m=14
